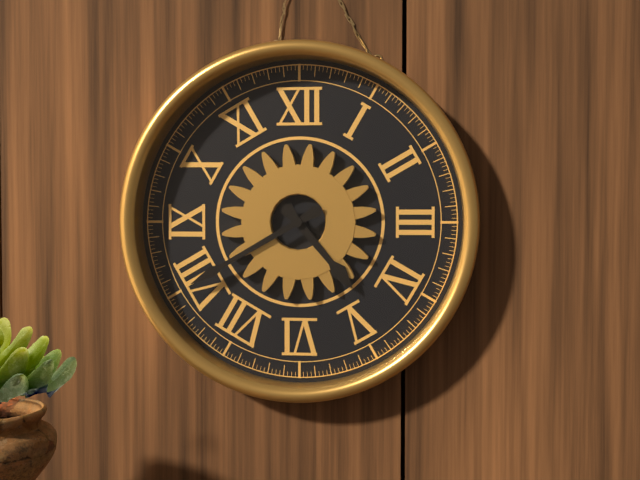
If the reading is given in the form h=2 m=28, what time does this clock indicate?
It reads h=4 m=40
